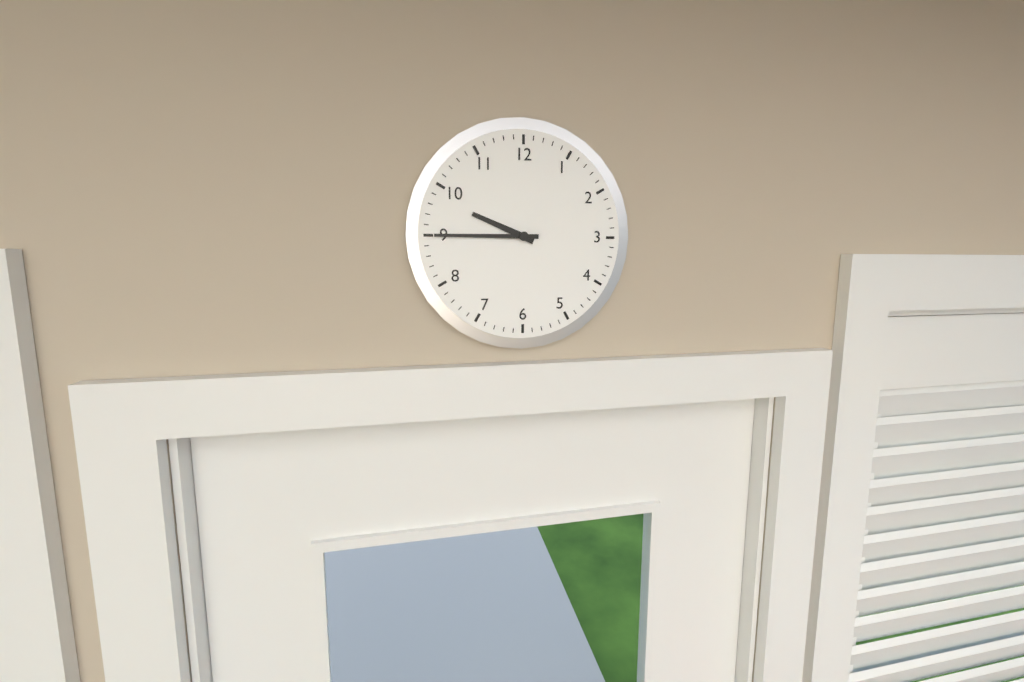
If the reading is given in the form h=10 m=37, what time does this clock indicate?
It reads h=9 m=45
